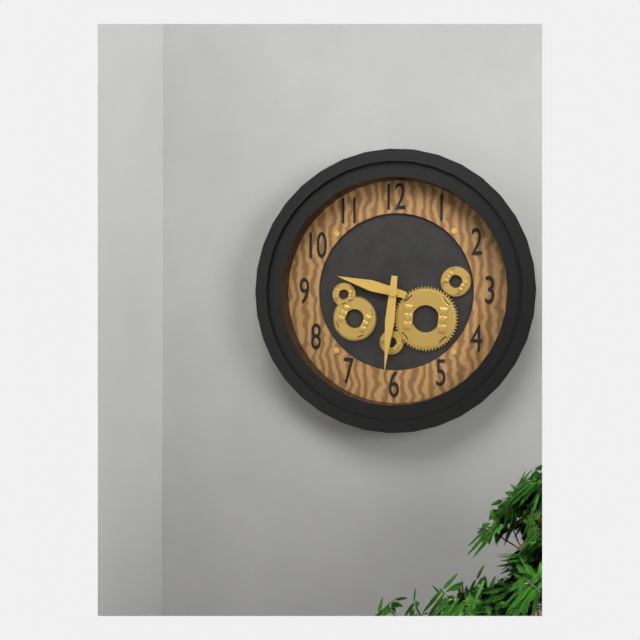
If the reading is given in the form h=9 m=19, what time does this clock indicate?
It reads h=9 m=31
